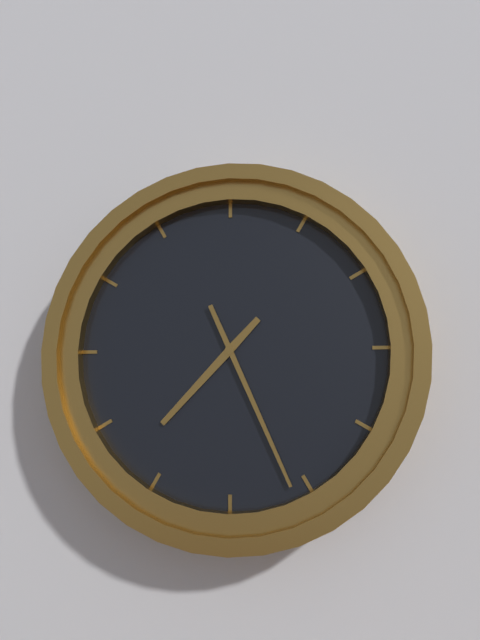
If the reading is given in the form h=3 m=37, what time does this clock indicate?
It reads h=7 m=26
